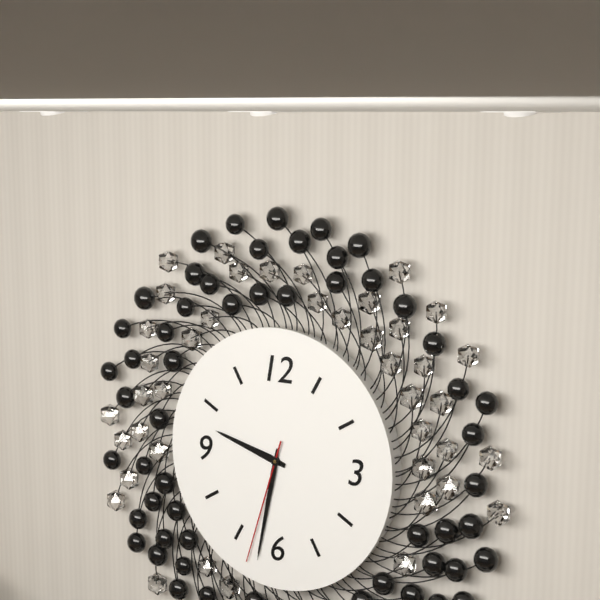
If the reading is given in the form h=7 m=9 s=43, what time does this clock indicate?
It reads h=9 m=32 s=33
